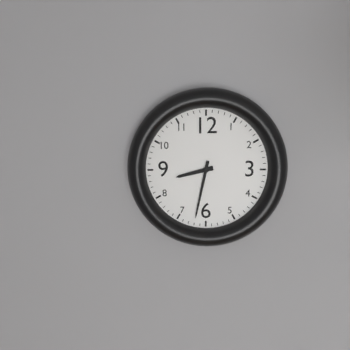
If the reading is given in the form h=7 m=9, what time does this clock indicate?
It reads h=8 m=32
